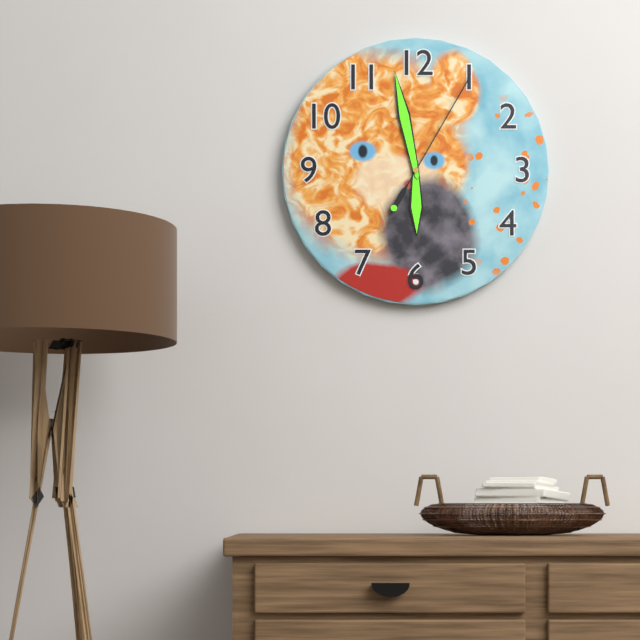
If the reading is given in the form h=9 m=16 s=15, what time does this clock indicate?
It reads h=5 m=58 s=5
